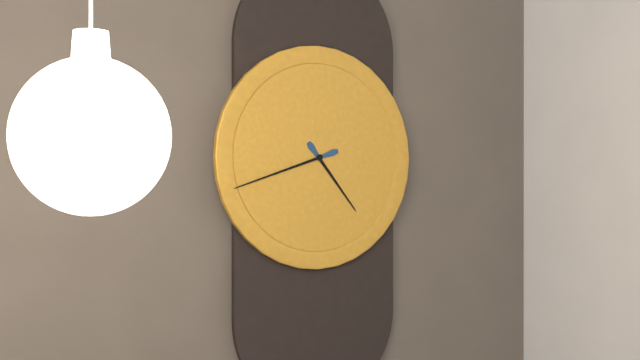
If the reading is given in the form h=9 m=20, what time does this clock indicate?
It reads h=4 m=42
